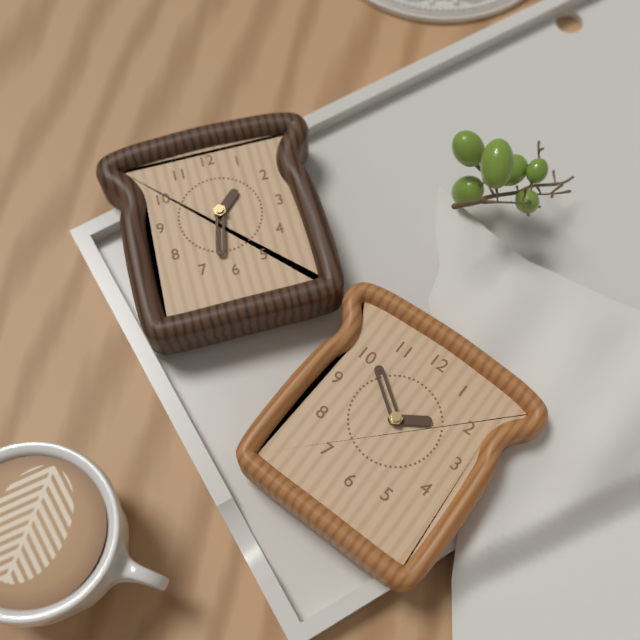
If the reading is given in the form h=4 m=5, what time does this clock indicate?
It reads h=1 m=51
